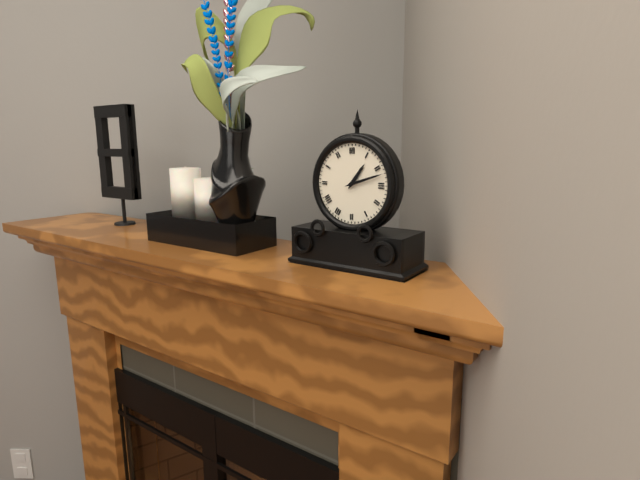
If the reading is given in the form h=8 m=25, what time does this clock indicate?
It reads h=1 m=12
